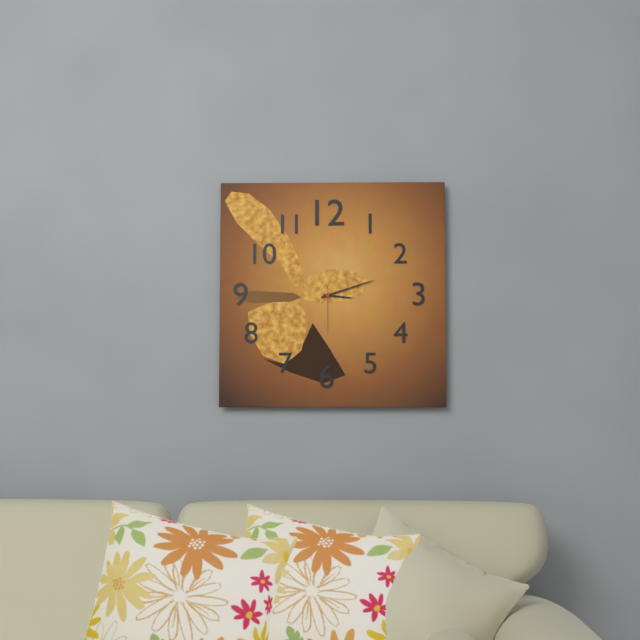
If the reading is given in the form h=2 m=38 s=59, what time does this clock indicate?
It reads h=3 m=12 s=30
